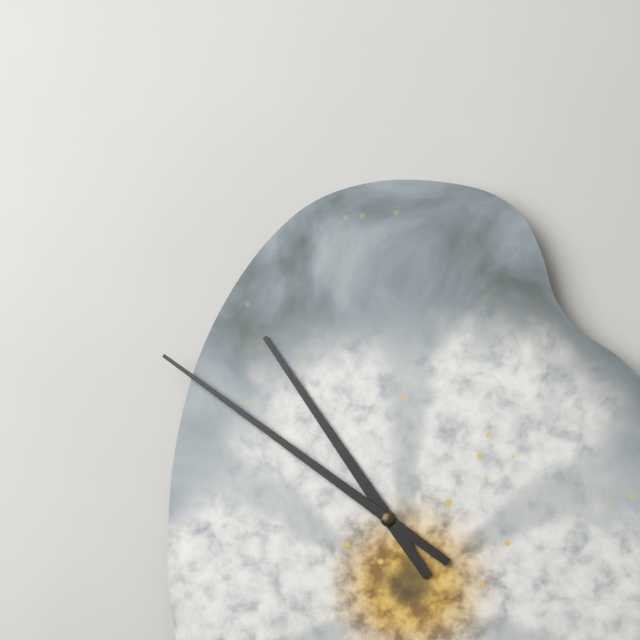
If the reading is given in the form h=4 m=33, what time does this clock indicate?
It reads h=10 m=51
